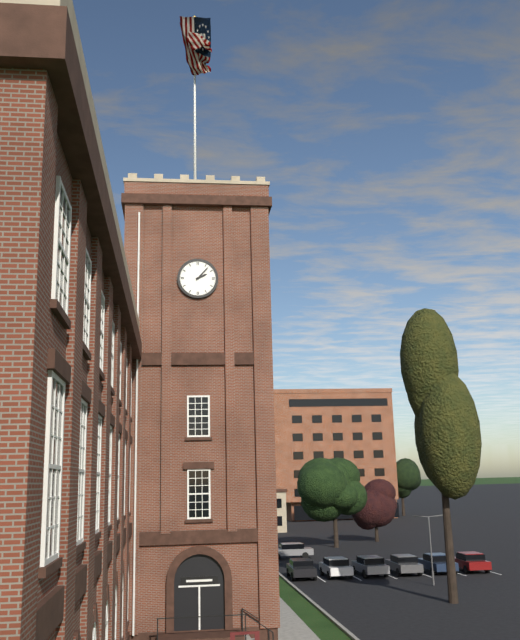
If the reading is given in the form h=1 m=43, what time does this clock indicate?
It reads h=2 m=7
